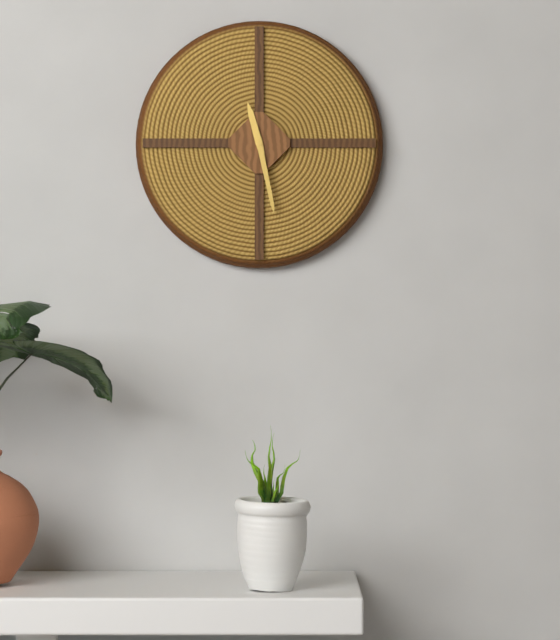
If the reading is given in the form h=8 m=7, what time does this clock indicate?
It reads h=11 m=28
